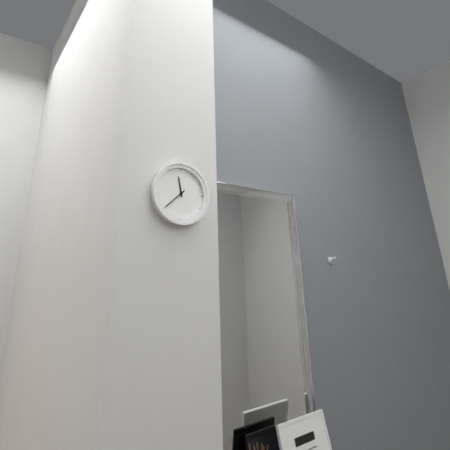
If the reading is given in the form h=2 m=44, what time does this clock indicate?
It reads h=11 m=38
